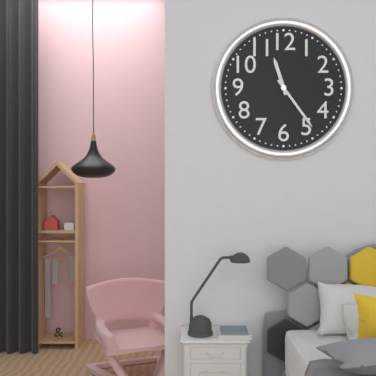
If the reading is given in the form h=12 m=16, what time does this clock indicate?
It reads h=11 m=24
